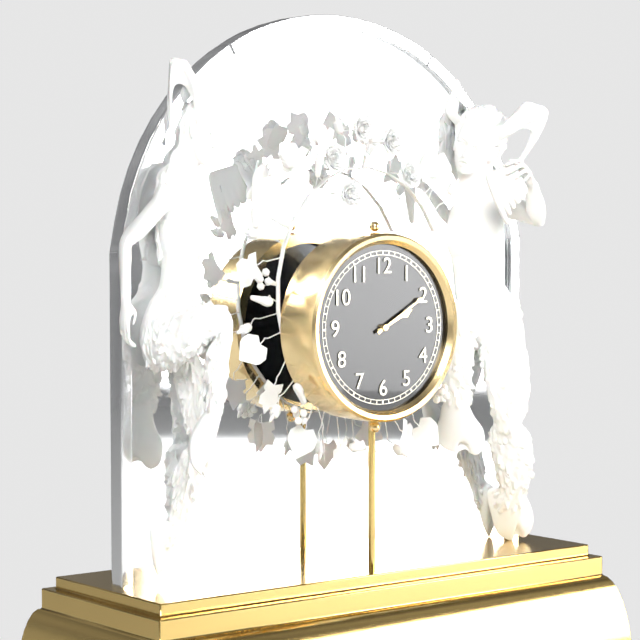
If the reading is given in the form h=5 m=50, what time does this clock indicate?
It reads h=2 m=10
